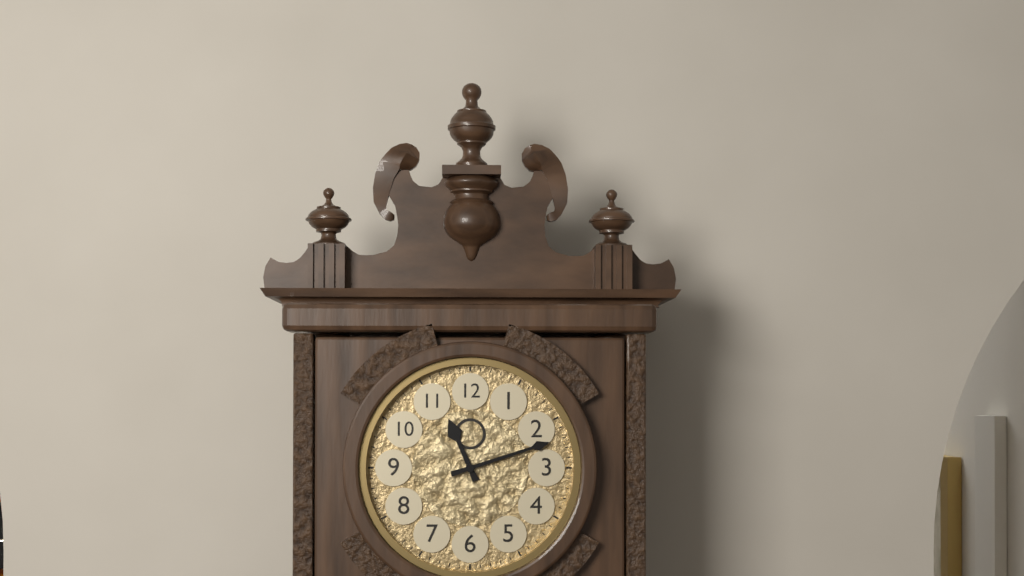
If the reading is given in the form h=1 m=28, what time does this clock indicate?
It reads h=11 m=12
